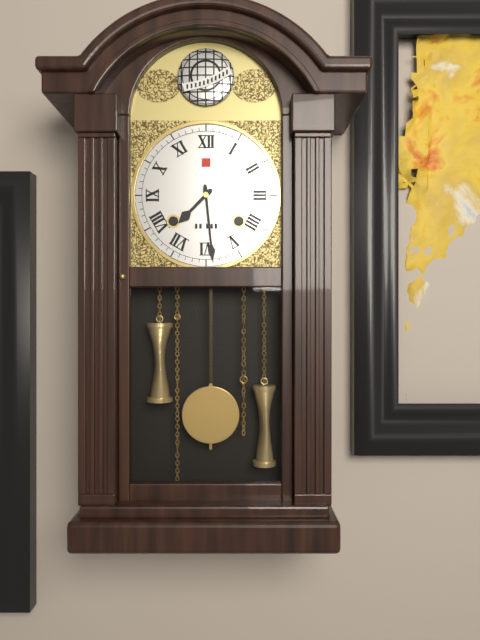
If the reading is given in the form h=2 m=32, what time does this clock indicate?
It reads h=7 m=29
